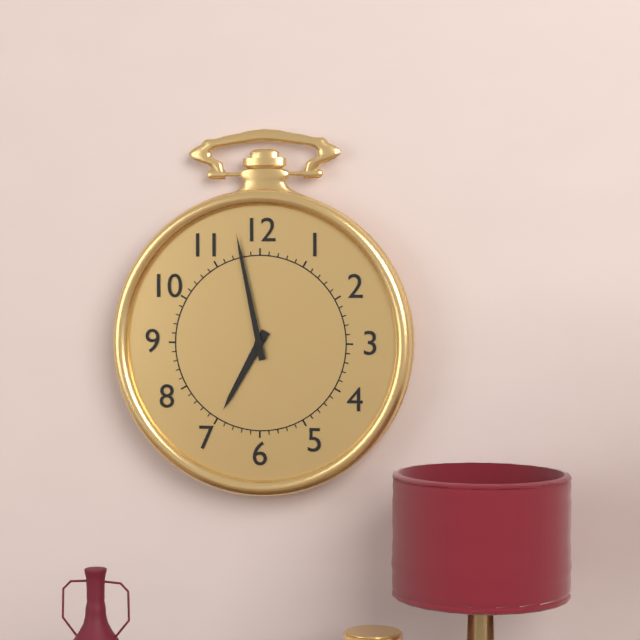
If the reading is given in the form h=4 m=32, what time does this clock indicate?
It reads h=6 m=58
